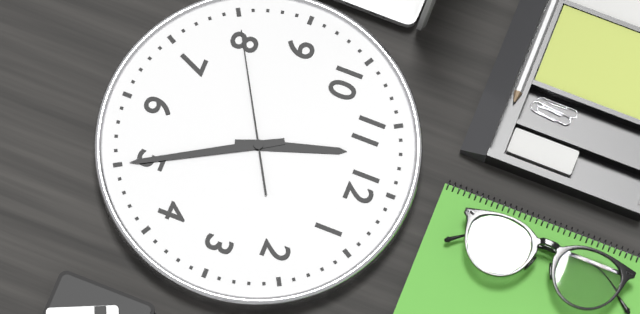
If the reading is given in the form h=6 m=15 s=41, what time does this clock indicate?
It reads h=11 m=25 s=40
